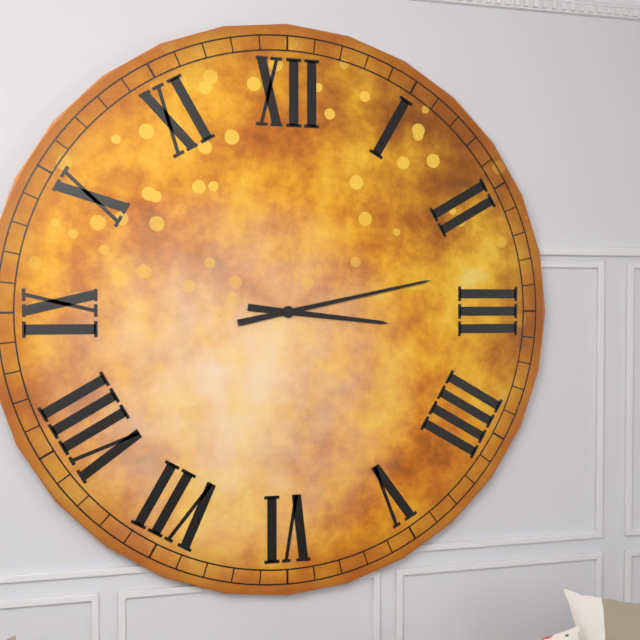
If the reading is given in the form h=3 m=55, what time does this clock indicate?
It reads h=3 m=13
